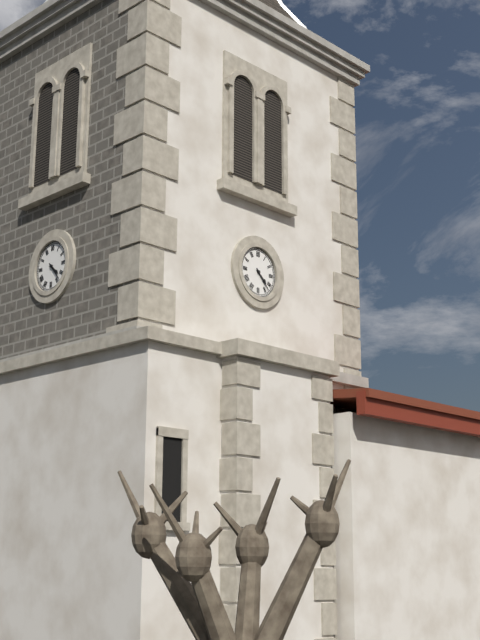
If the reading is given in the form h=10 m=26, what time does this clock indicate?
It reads h=4 m=23
